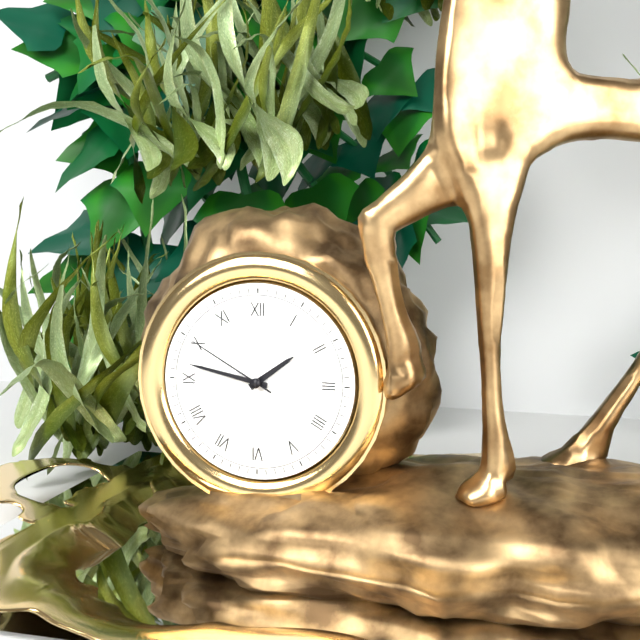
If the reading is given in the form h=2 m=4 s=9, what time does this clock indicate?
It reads h=1 m=47 s=50
